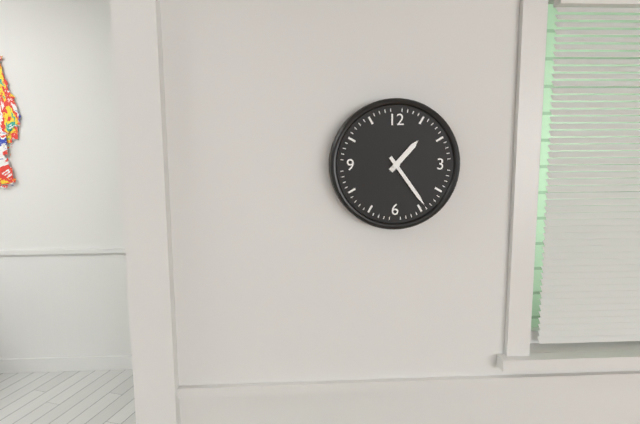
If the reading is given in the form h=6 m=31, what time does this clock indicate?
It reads h=1 m=24
